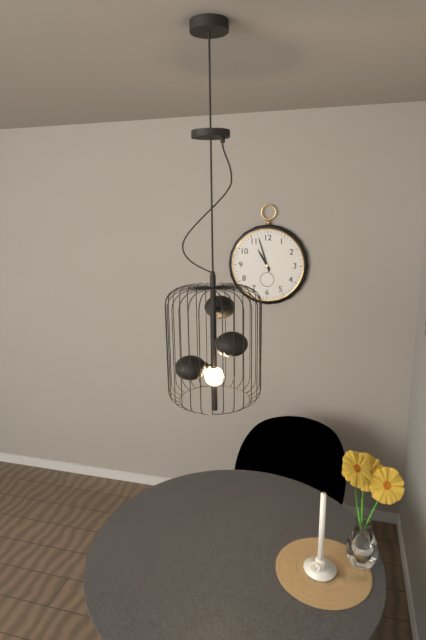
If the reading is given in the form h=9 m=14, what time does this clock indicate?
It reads h=10 m=57
